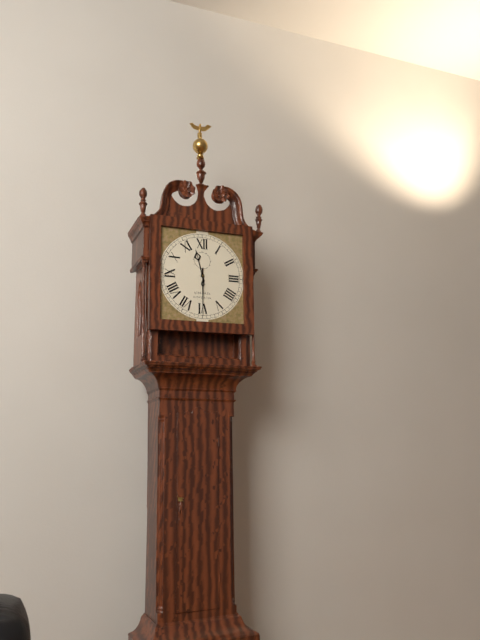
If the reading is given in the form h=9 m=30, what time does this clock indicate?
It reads h=11 m=30
